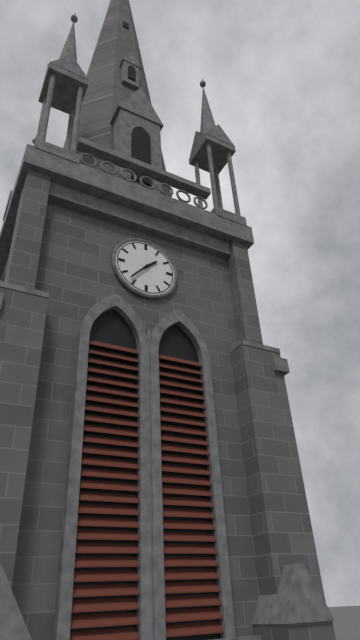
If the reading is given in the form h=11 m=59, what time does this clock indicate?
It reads h=1 m=37
